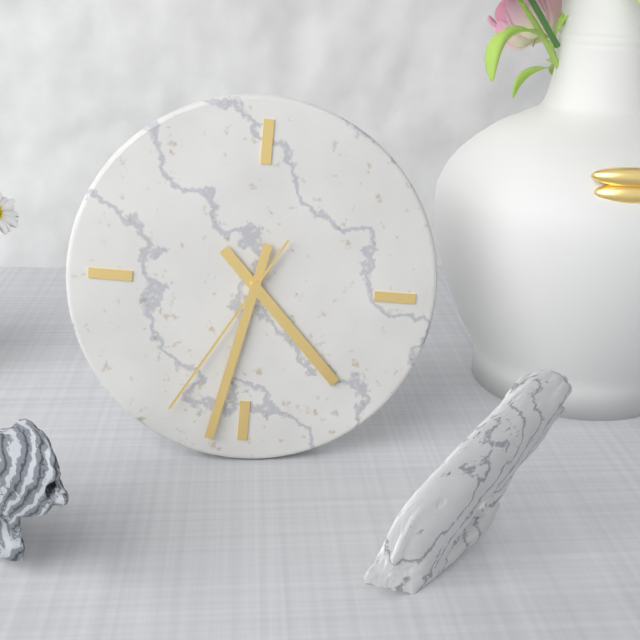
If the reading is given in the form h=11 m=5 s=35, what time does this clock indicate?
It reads h=4 m=32 s=35
